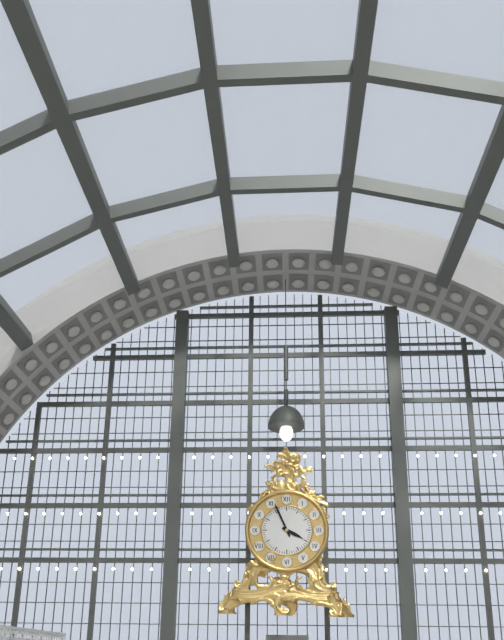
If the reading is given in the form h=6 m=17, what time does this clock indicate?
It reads h=3 m=56
